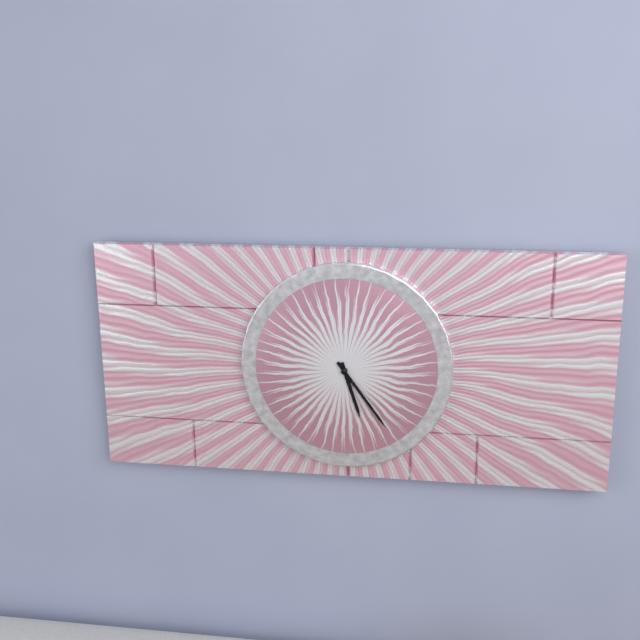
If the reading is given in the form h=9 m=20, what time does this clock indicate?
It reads h=5 m=24
